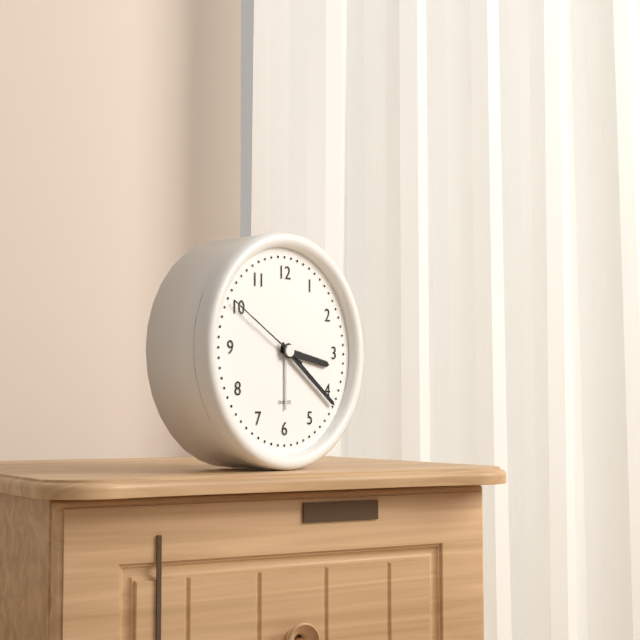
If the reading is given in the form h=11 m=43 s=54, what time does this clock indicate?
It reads h=3 m=21 s=50
